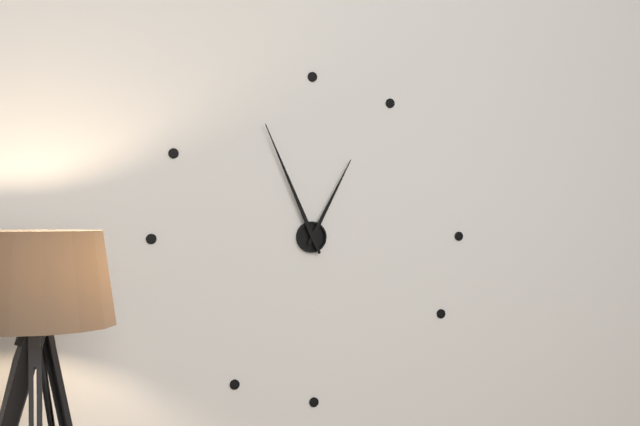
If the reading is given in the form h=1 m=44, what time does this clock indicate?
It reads h=12 m=56
